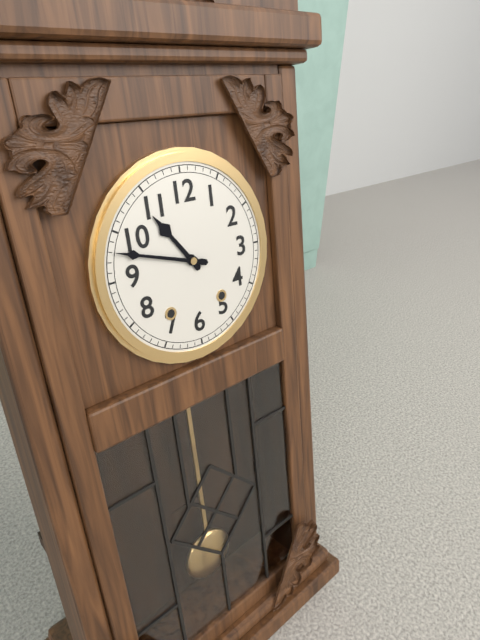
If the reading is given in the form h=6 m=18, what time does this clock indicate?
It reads h=10 m=48
